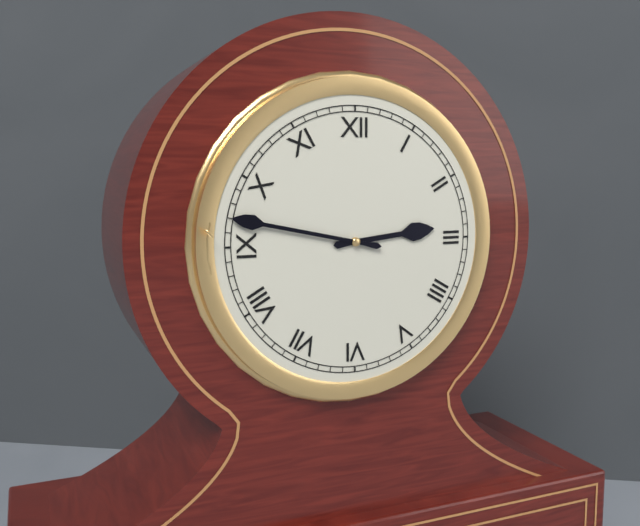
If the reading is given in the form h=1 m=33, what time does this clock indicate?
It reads h=2 m=47
